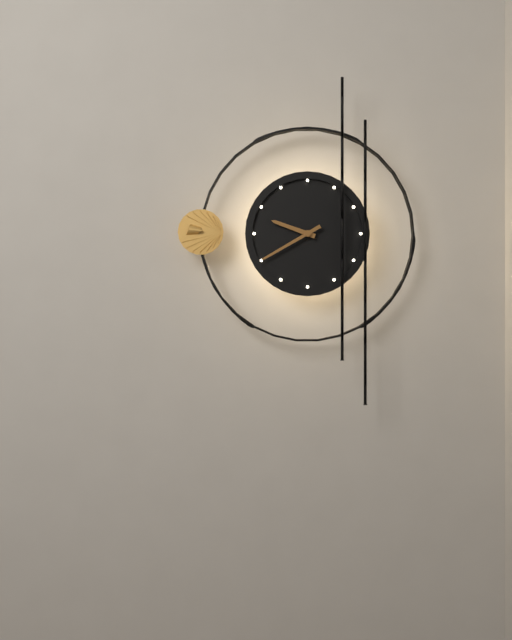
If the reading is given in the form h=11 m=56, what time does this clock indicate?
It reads h=9 m=40
